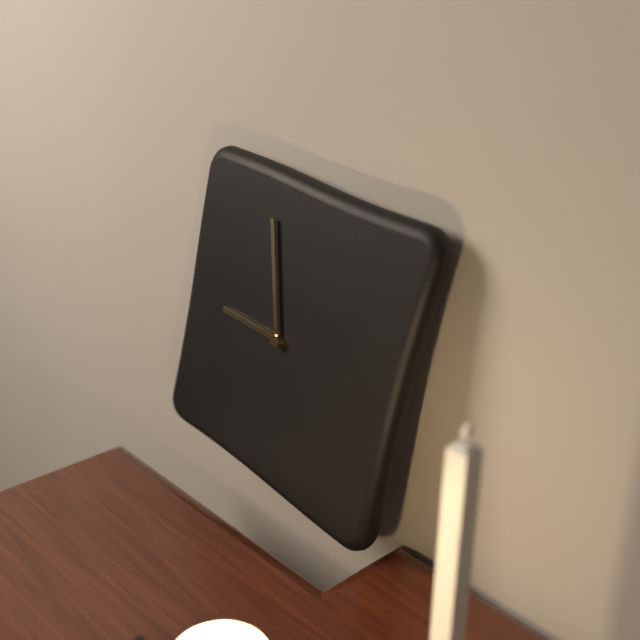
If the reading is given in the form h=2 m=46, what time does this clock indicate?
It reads h=8 m=57
